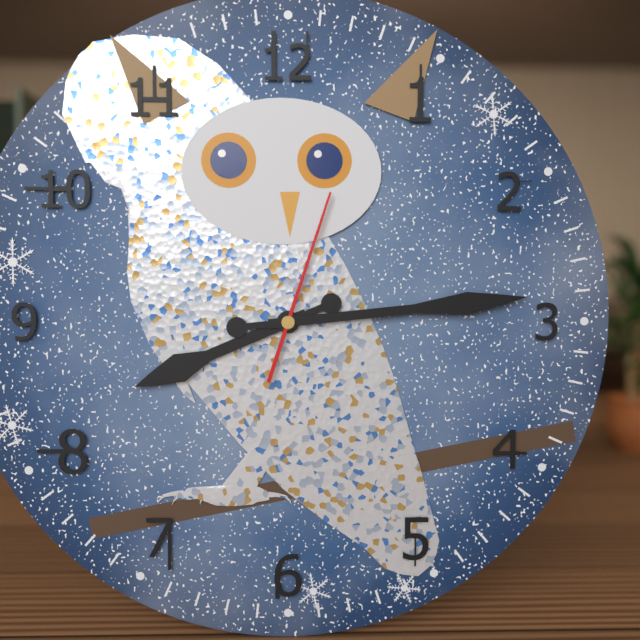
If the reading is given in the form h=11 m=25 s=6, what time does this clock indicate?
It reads h=8 m=14 s=3
